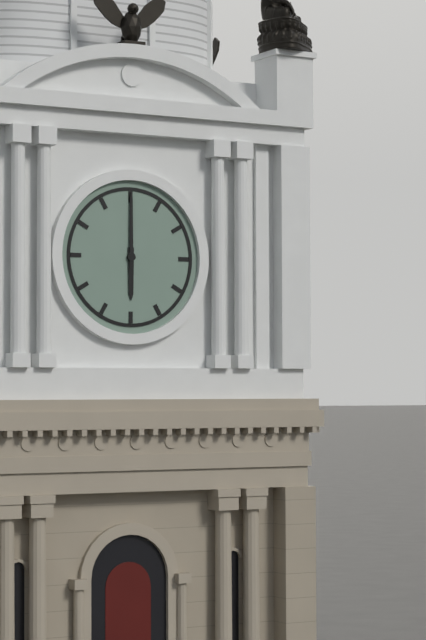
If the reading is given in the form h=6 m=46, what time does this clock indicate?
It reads h=6 m=0
